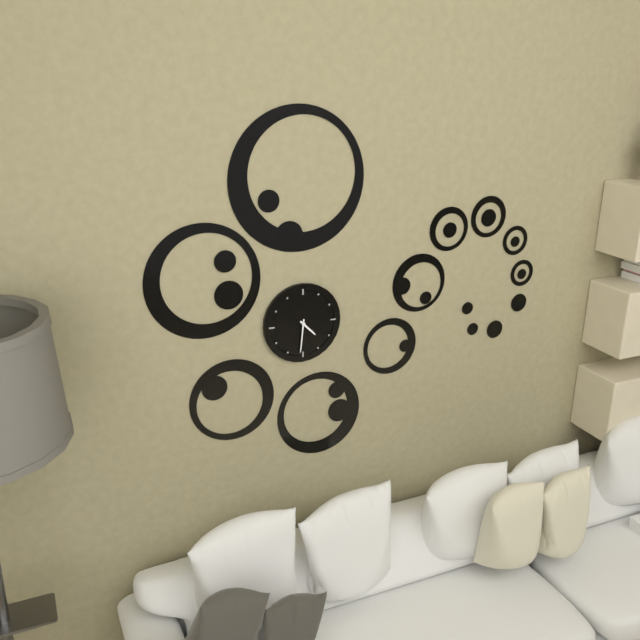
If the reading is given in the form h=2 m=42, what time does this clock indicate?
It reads h=4 m=31
